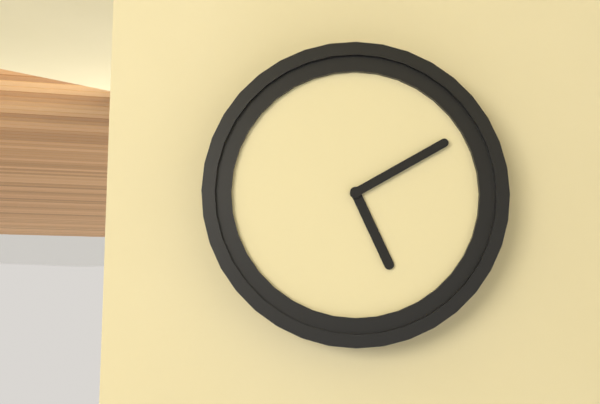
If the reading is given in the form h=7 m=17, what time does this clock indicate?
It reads h=5 m=10
